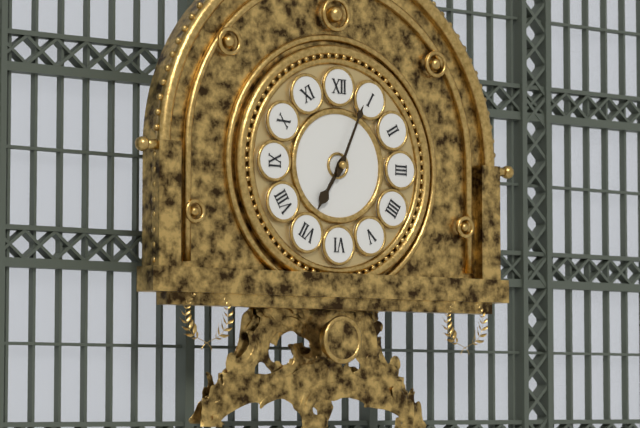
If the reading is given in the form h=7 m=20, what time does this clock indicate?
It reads h=7 m=4
